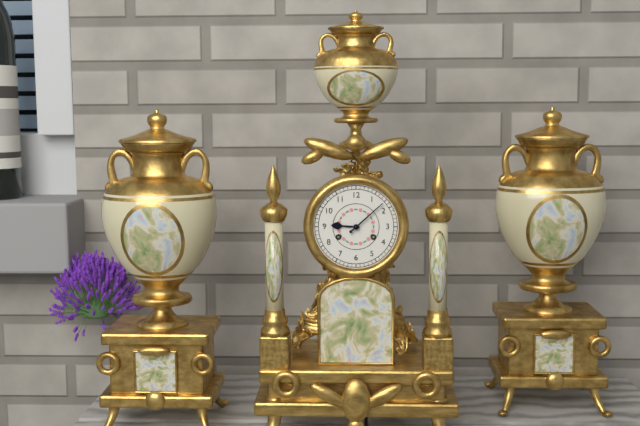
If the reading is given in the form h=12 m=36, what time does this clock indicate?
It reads h=9 m=8
